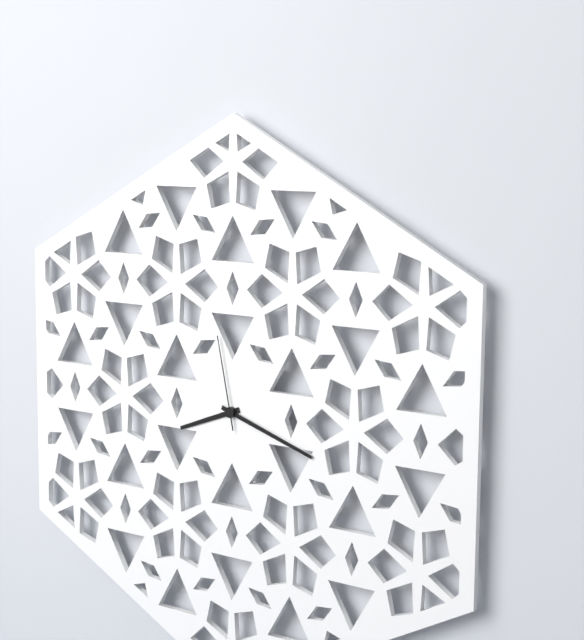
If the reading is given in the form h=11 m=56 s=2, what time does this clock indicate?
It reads h=8 m=18 s=58
